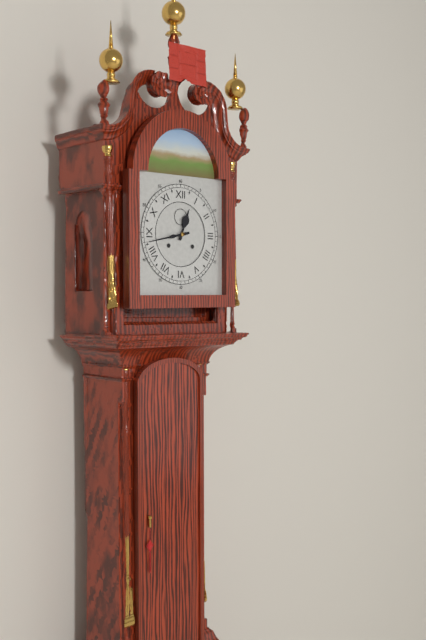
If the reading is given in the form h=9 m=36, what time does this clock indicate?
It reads h=12 m=43
